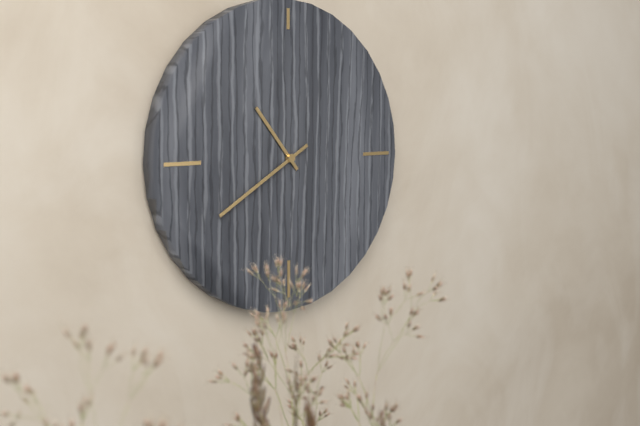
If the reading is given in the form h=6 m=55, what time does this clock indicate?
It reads h=10 m=40
